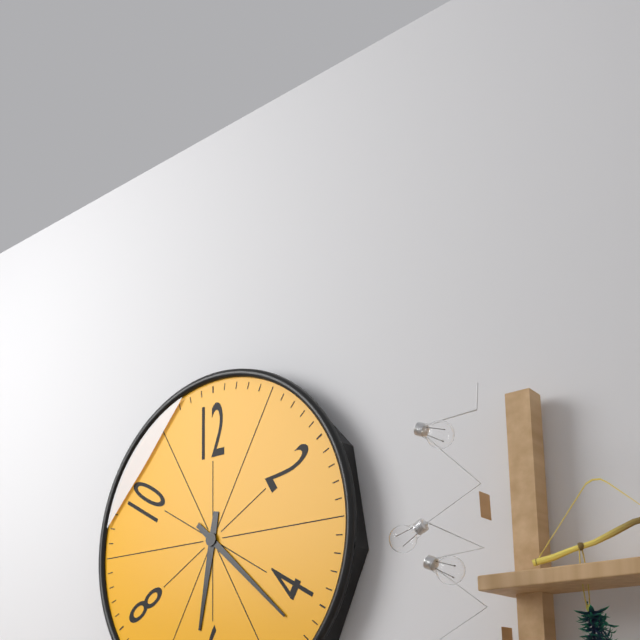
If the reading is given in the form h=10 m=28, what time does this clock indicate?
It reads h=6 m=22
